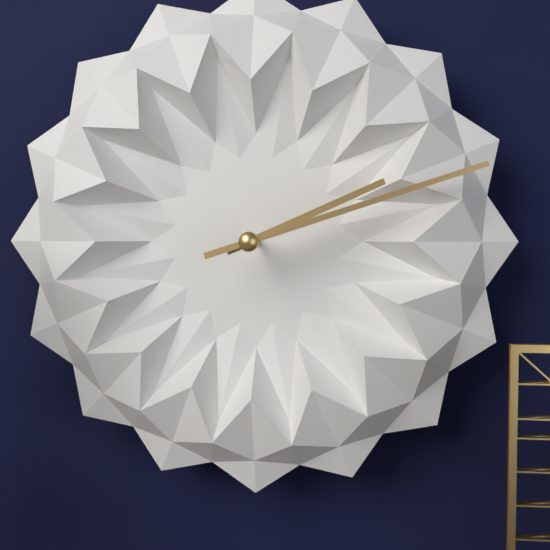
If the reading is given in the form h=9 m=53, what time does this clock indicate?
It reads h=2 m=12
